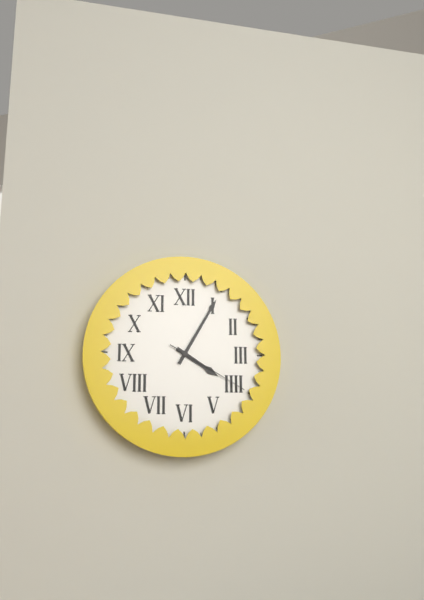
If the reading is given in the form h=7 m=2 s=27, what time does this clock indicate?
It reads h=4 m=5 s=20
